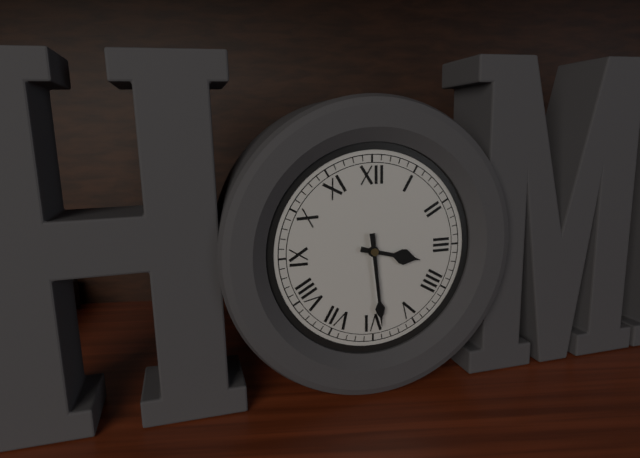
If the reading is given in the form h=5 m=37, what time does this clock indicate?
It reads h=3 m=29
